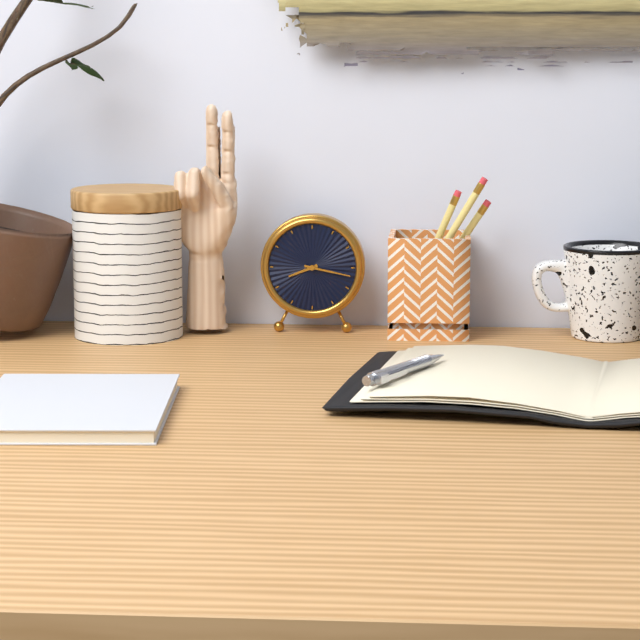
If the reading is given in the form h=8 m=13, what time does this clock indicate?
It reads h=8 m=17
